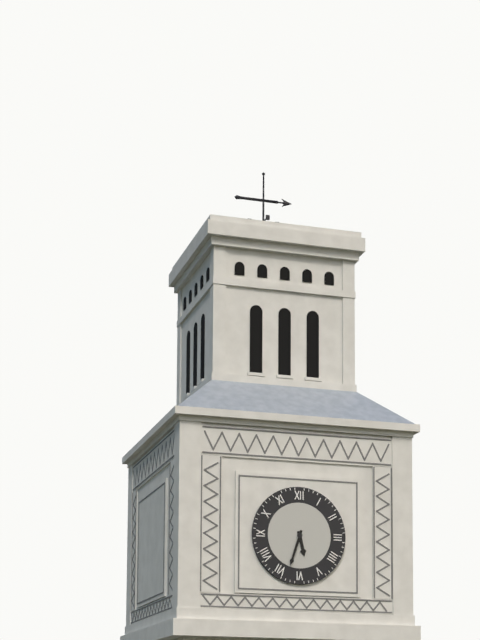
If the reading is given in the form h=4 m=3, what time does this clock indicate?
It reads h=5 m=33
